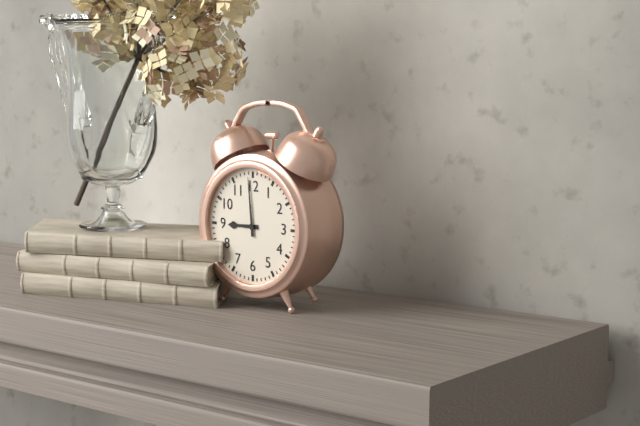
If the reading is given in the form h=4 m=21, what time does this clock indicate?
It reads h=8 m=59
